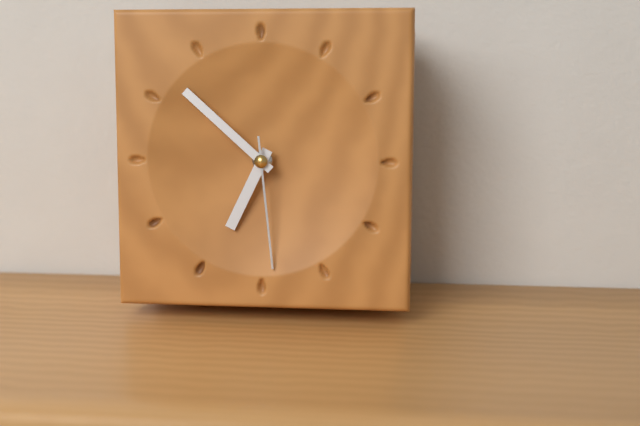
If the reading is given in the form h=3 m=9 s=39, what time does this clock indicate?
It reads h=6 m=52 s=29
